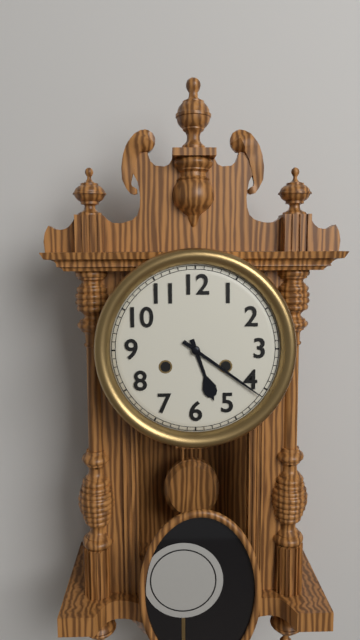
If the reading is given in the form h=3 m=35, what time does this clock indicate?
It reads h=5 m=21
